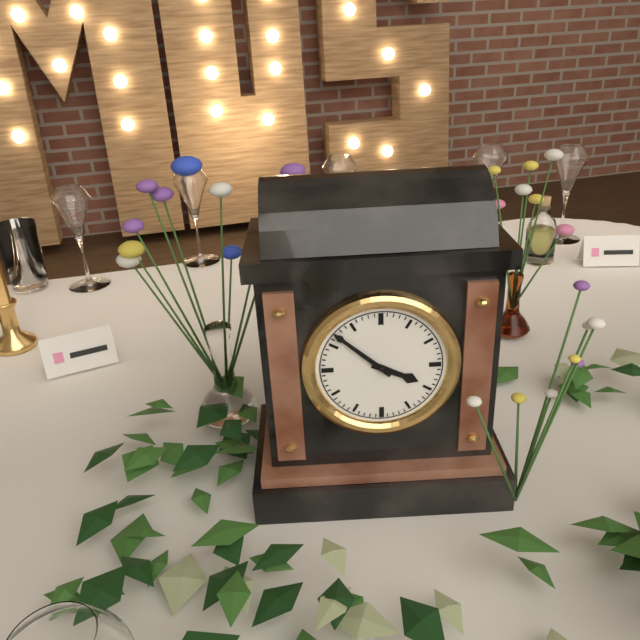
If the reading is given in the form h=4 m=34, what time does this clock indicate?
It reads h=3 m=52
